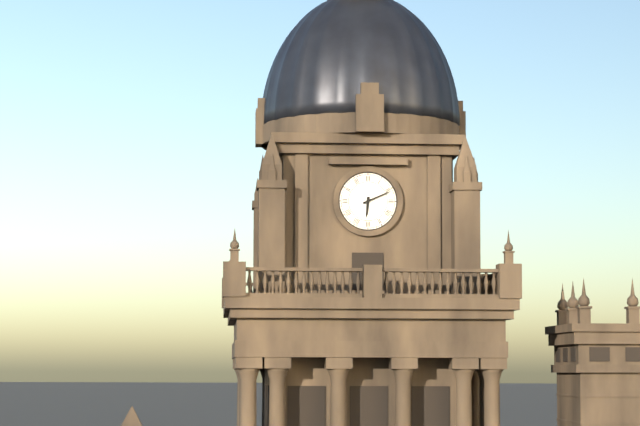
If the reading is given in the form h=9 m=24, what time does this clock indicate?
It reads h=6 m=11
